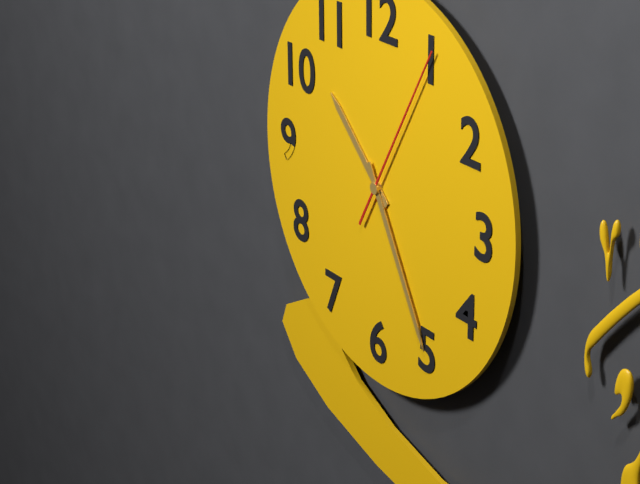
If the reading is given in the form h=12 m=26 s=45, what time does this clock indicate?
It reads h=10 m=25 s=5
